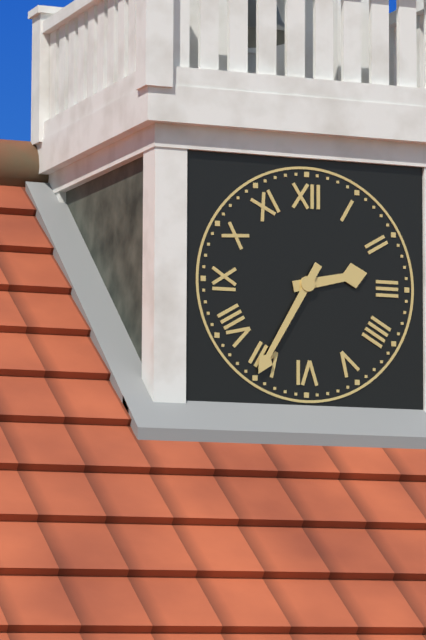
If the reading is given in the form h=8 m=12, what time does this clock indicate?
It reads h=2 m=35
